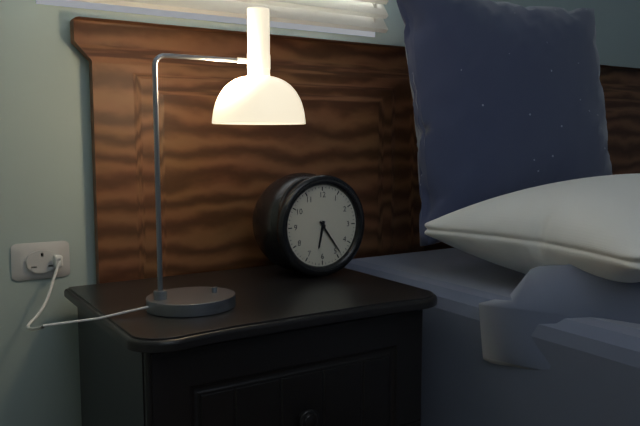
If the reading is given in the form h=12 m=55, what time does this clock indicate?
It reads h=6 m=24
